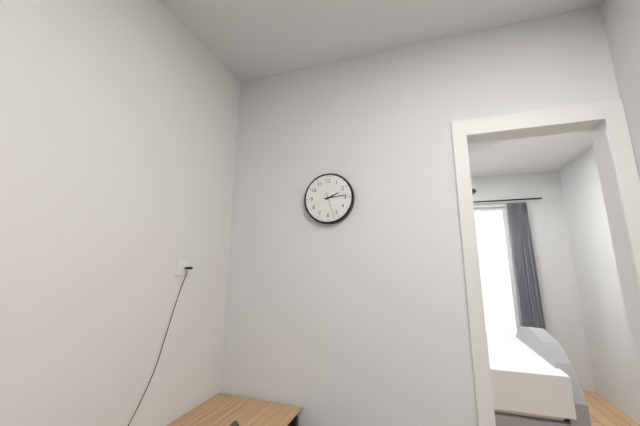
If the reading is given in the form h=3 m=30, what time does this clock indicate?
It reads h=2 m=14
